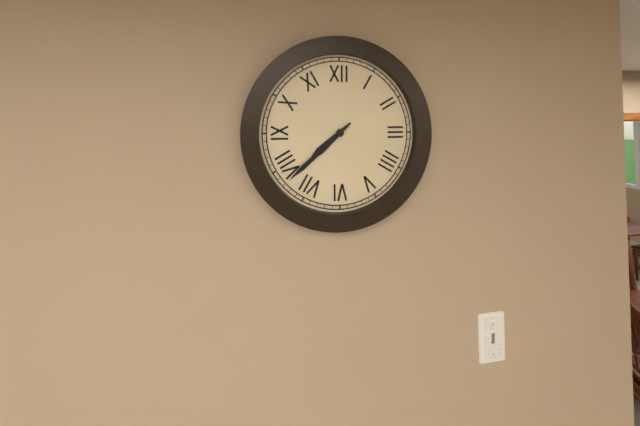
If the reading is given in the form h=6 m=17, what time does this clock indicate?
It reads h=7 m=38
